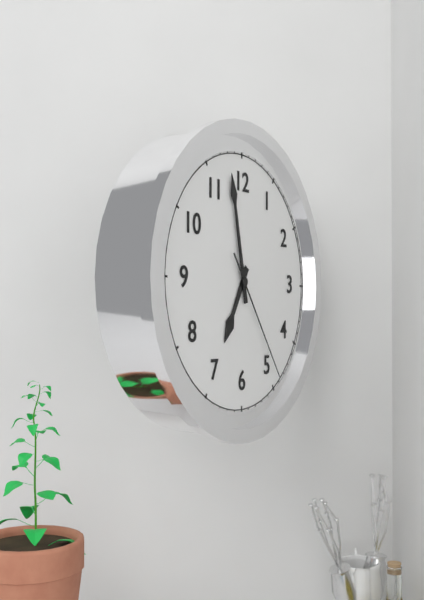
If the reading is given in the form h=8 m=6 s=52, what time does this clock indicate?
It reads h=6 m=58 s=24
